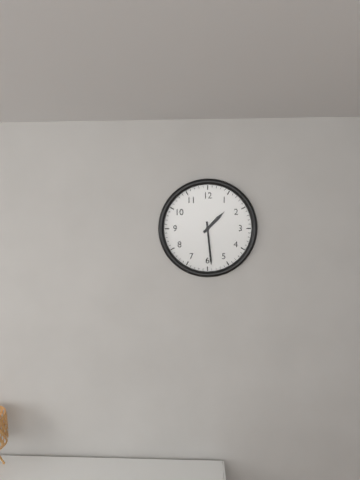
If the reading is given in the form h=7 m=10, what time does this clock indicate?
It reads h=1 m=29
